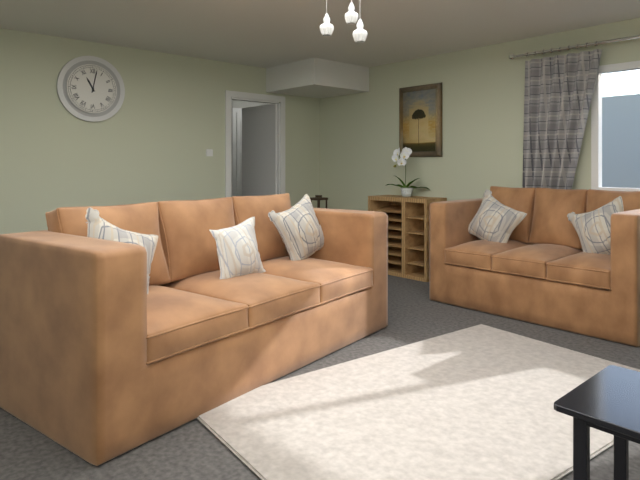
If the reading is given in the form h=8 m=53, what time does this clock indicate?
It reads h=11 m=2
